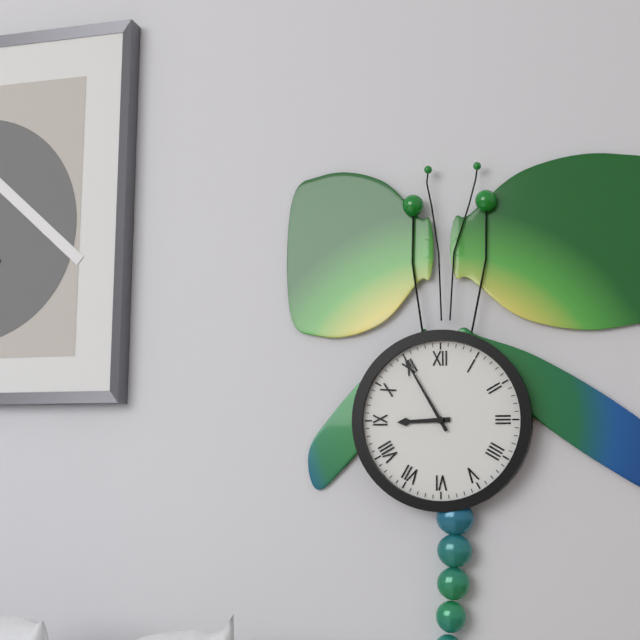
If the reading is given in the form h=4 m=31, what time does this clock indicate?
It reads h=8 m=55
